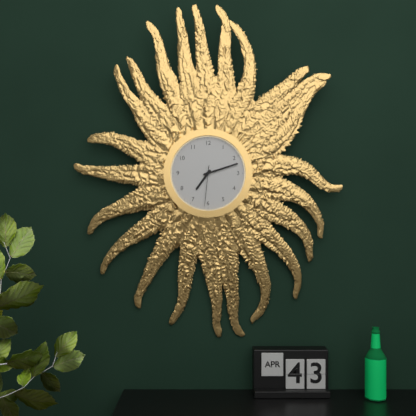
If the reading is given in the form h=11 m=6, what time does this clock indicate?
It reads h=7 m=12
